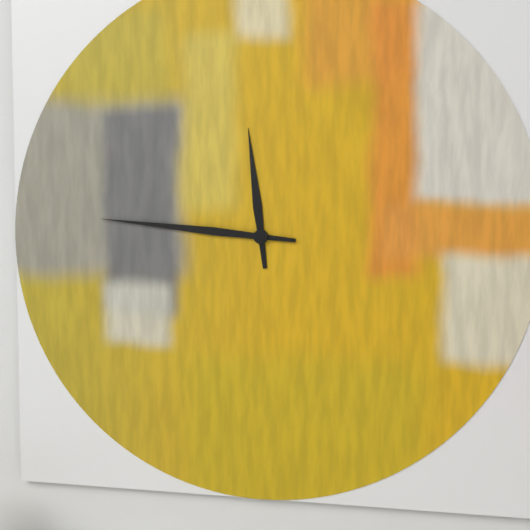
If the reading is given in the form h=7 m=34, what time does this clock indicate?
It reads h=11 m=46
